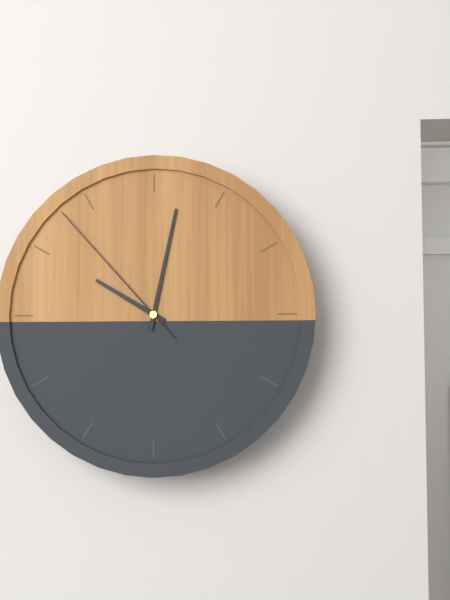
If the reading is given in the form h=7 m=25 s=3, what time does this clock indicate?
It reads h=10 m=2 s=53
